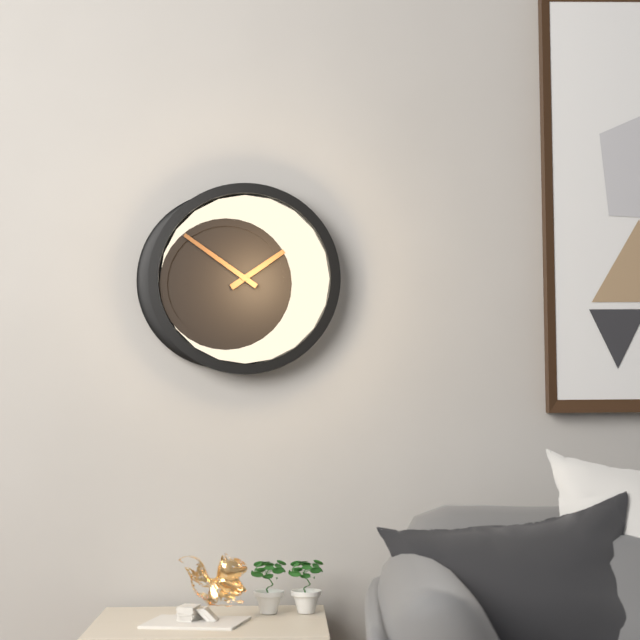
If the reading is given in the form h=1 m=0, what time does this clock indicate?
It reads h=1 m=51
